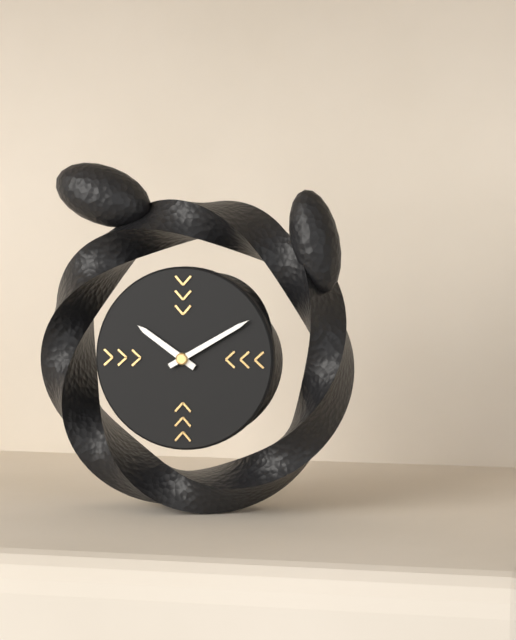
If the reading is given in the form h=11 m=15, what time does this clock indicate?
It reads h=10 m=10
